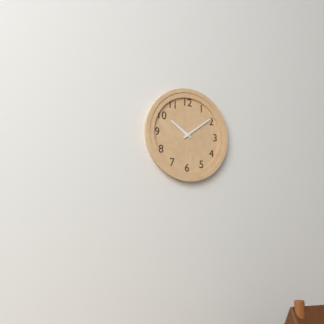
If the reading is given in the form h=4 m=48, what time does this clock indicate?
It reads h=10 m=9
